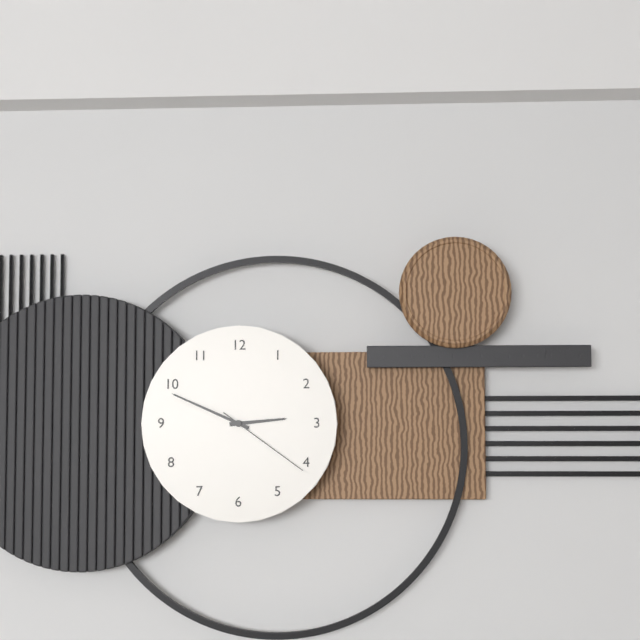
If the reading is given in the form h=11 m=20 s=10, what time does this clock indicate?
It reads h=2 m=49 s=21
